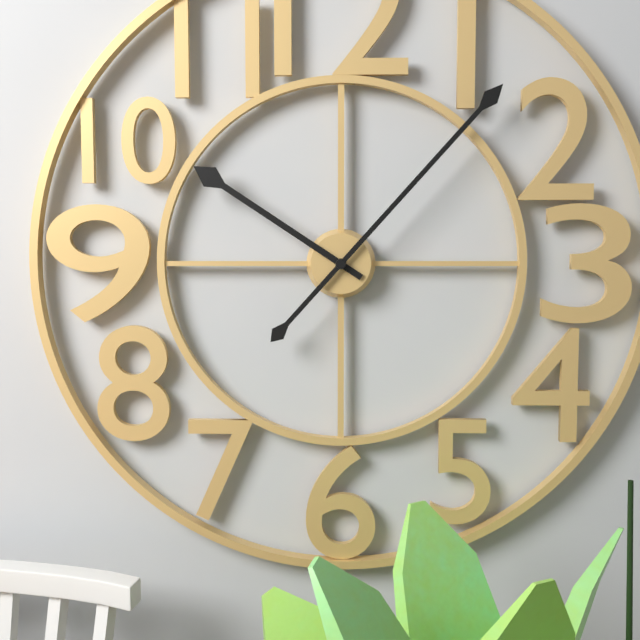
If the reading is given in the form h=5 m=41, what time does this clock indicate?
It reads h=10 m=7
